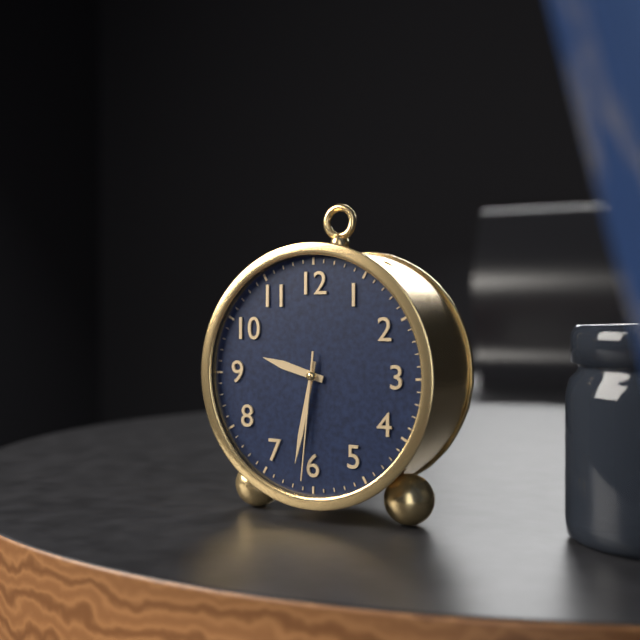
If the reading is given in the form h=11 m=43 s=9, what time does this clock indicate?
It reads h=9 m=32 s=31
